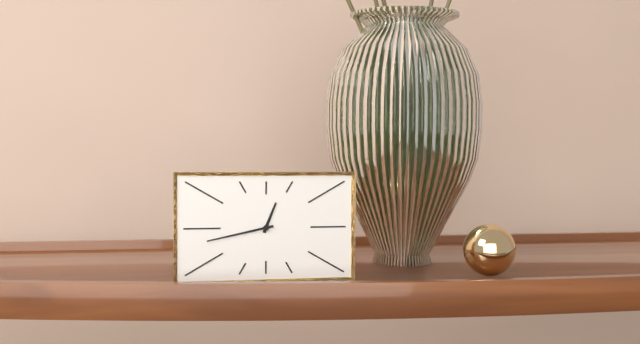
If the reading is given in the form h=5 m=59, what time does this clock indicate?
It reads h=12 m=43
